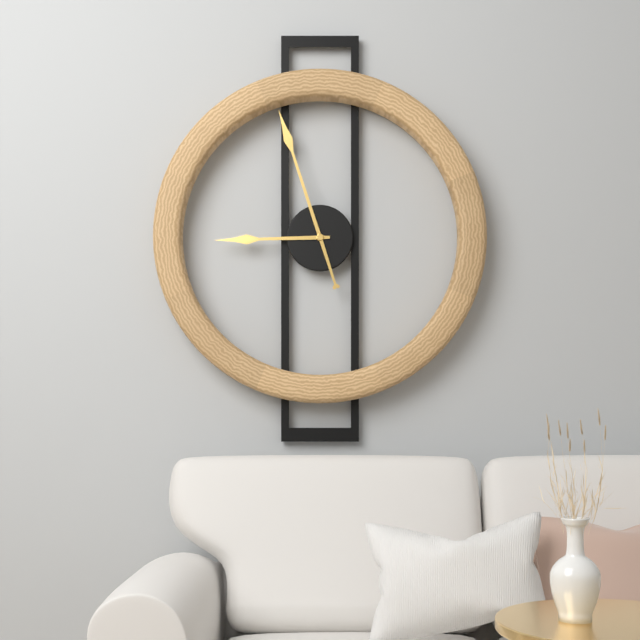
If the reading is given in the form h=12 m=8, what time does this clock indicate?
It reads h=8 m=57
